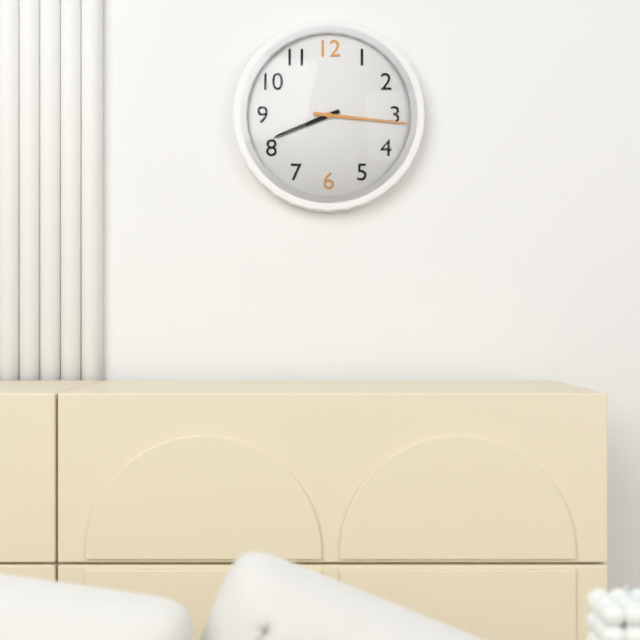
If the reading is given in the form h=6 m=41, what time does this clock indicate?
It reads h=8 m=16
